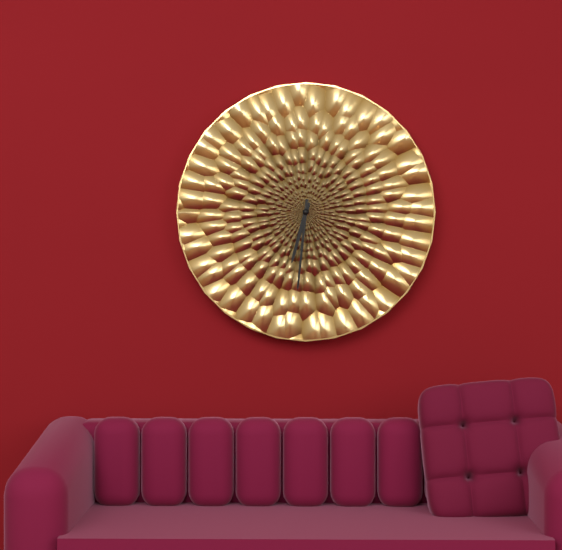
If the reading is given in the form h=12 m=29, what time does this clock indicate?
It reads h=6 m=31
